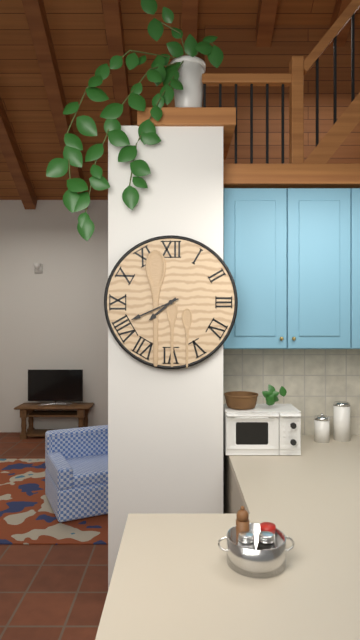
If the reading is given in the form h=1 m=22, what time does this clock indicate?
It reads h=7 m=41
